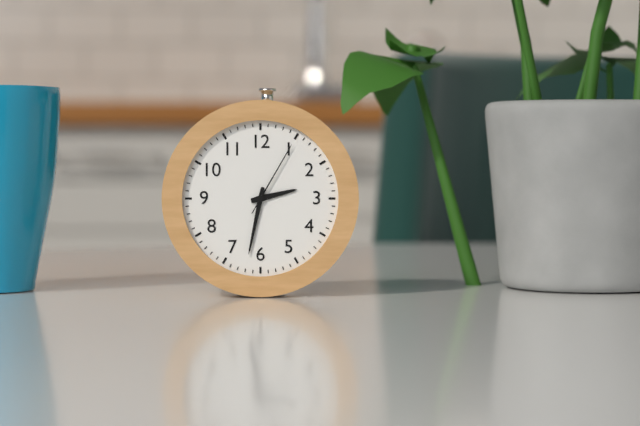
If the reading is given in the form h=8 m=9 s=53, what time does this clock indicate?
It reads h=2 m=32 s=5
